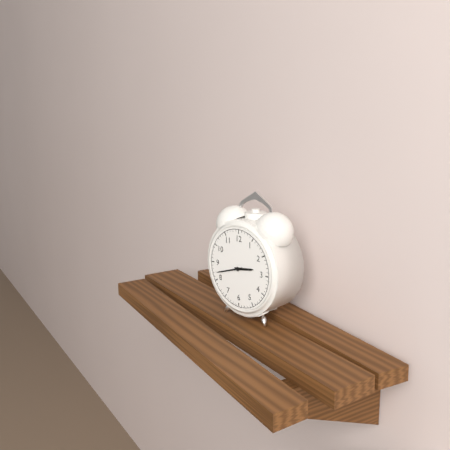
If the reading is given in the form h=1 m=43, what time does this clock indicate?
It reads h=2 m=42
